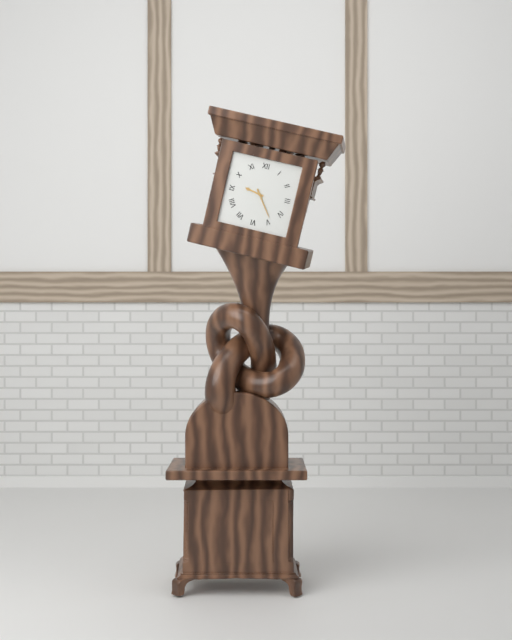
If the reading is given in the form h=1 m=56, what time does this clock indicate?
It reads h=9 m=24
